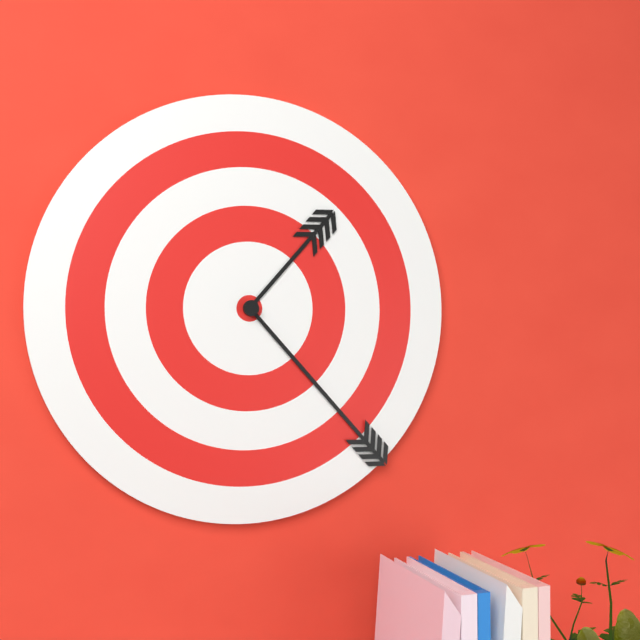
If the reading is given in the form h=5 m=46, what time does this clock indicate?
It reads h=1 m=23
